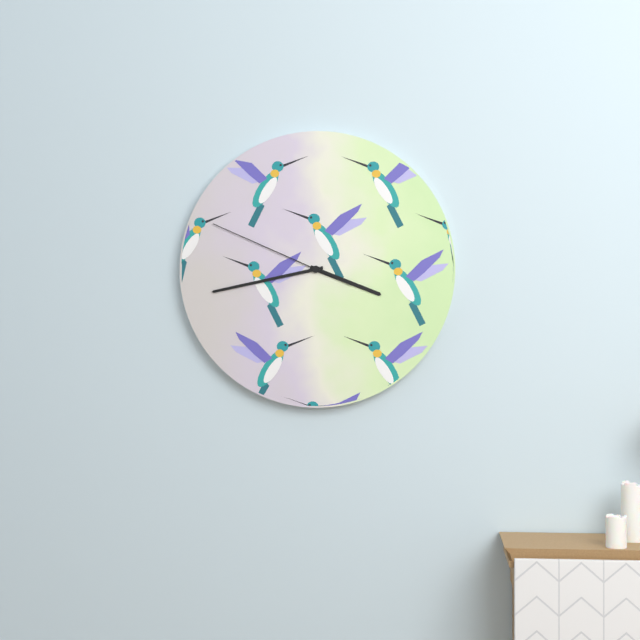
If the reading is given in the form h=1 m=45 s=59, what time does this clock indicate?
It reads h=3 m=43 s=49
